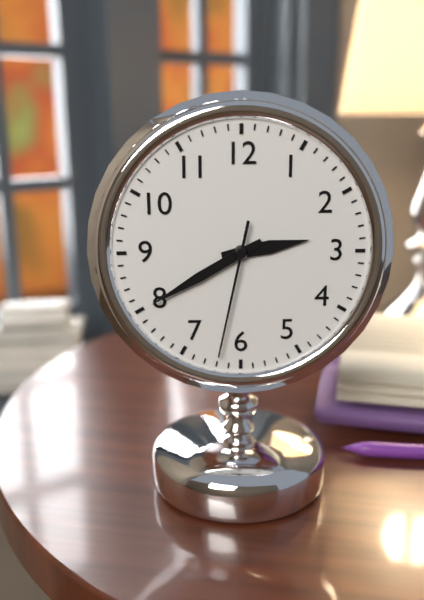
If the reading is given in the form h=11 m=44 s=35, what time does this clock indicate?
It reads h=2 m=40 s=32
